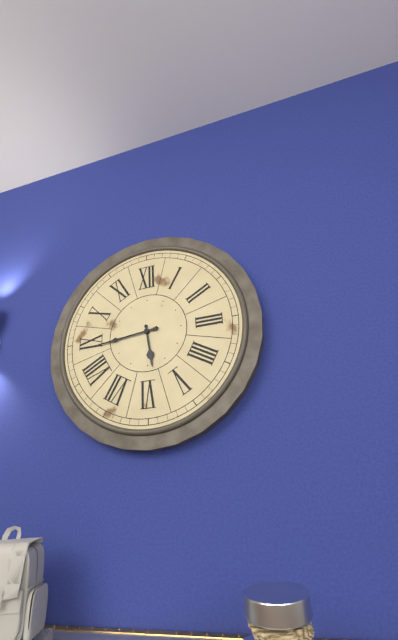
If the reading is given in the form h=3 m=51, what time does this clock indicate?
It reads h=5 m=44
